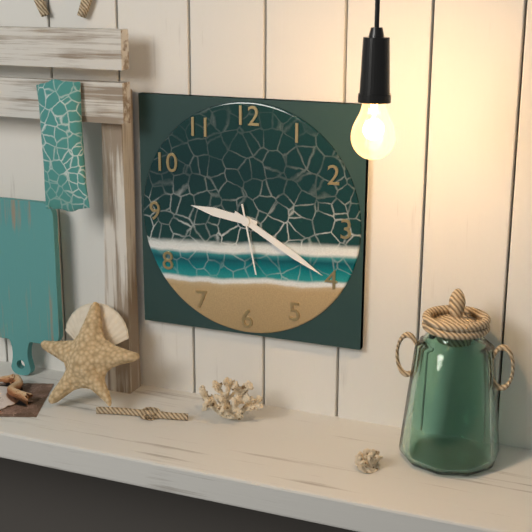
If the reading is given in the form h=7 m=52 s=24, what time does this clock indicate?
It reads h=9 m=20 s=28
